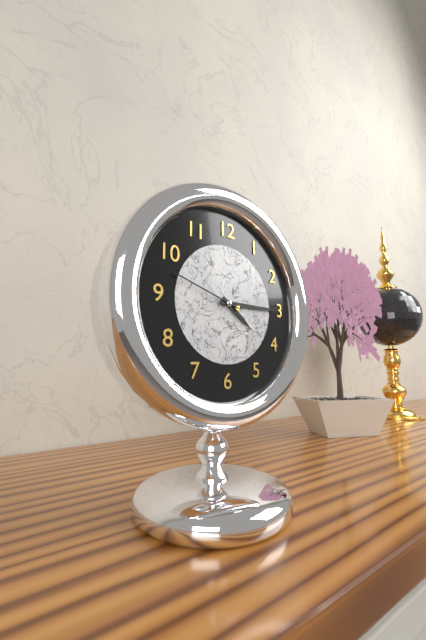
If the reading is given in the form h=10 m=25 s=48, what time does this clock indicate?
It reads h=4 m=15 s=48
